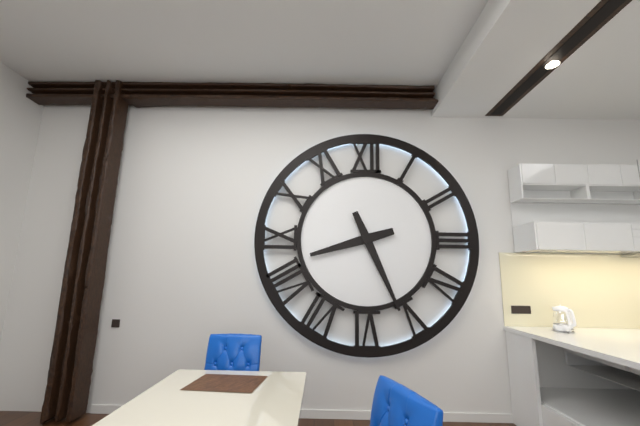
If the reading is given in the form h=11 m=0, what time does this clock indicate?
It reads h=8 m=26
